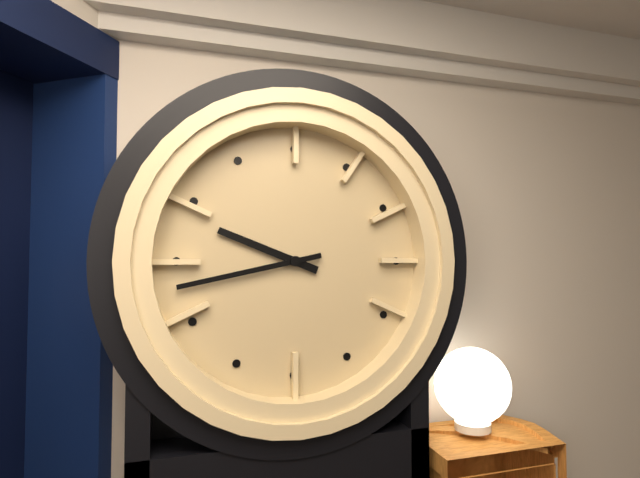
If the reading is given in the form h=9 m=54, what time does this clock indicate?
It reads h=9 m=43
